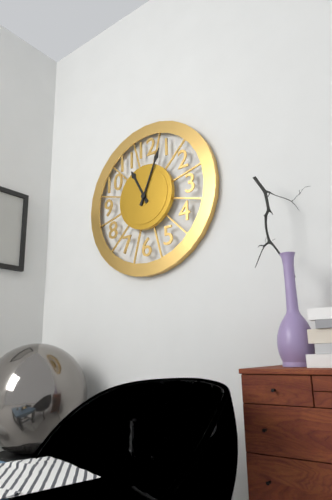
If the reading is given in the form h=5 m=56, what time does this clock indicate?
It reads h=11 m=4
